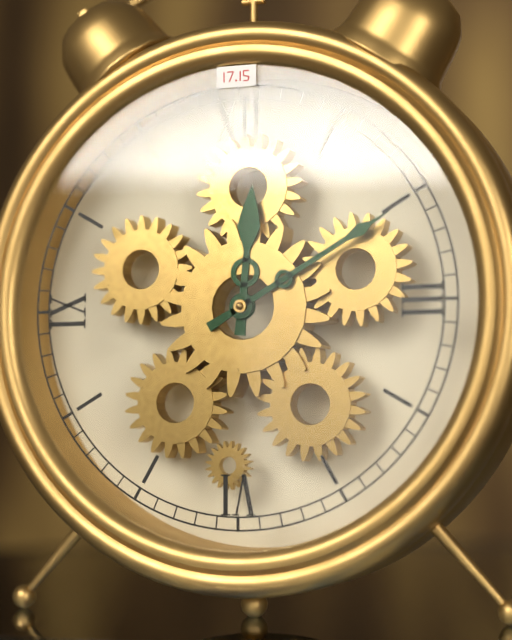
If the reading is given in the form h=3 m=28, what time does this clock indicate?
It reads h=12 m=10
